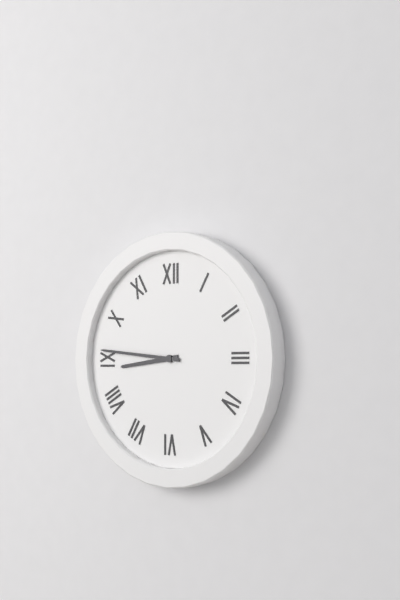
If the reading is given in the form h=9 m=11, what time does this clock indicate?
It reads h=8 m=46
